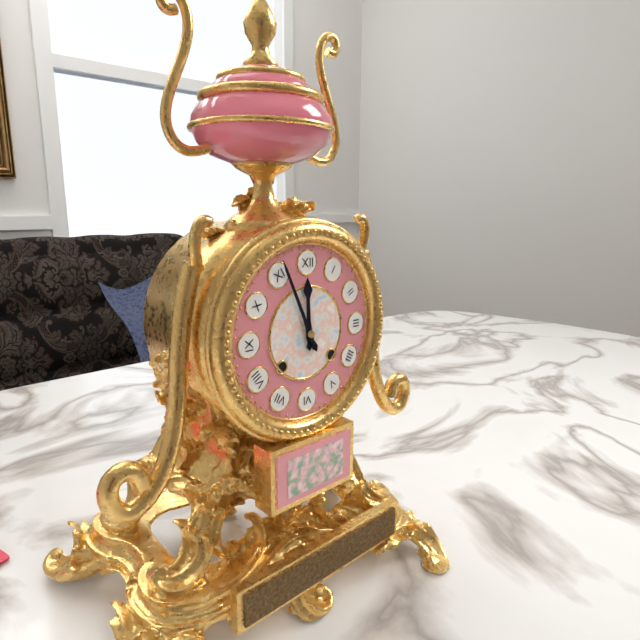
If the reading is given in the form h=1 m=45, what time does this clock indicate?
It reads h=11 m=56
